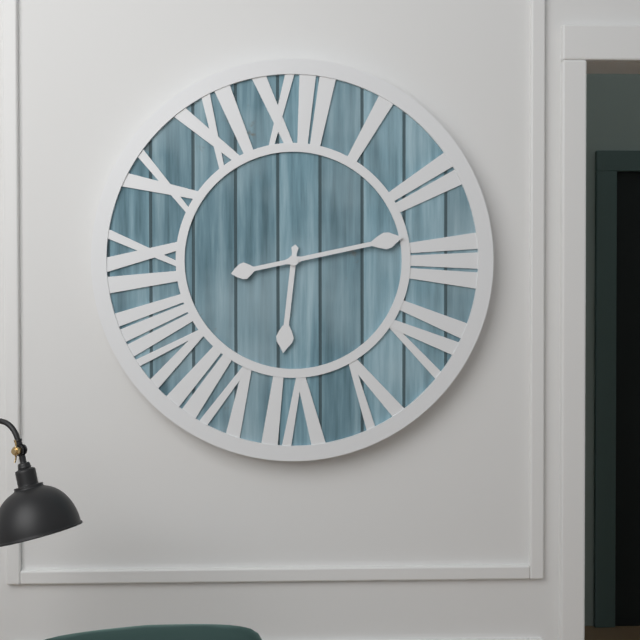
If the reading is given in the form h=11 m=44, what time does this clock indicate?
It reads h=6 m=13
